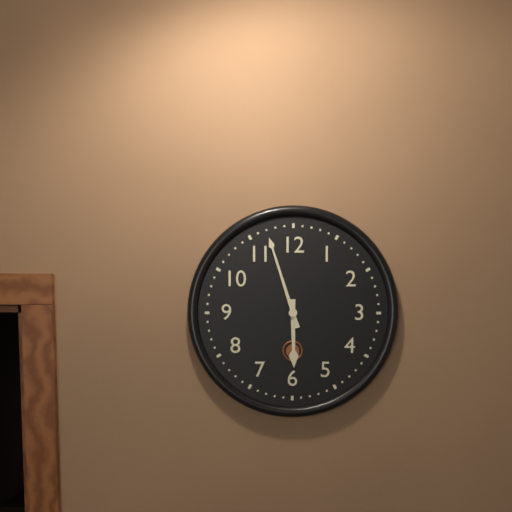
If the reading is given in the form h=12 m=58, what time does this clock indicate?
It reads h=5 m=57
